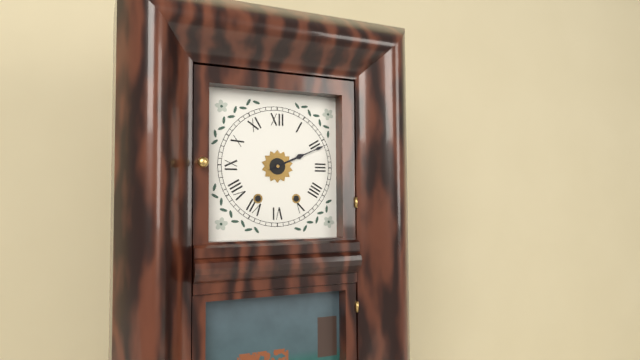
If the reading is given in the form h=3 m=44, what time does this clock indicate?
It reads h=2 m=11
